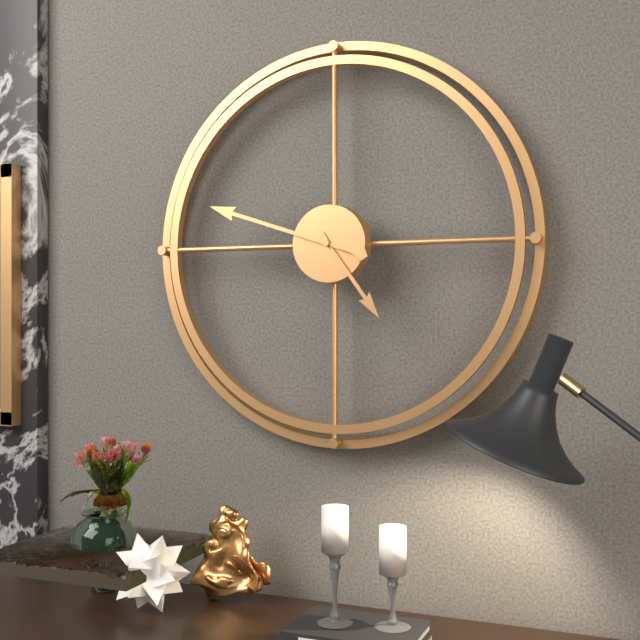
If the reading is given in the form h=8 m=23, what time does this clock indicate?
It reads h=4 m=48
